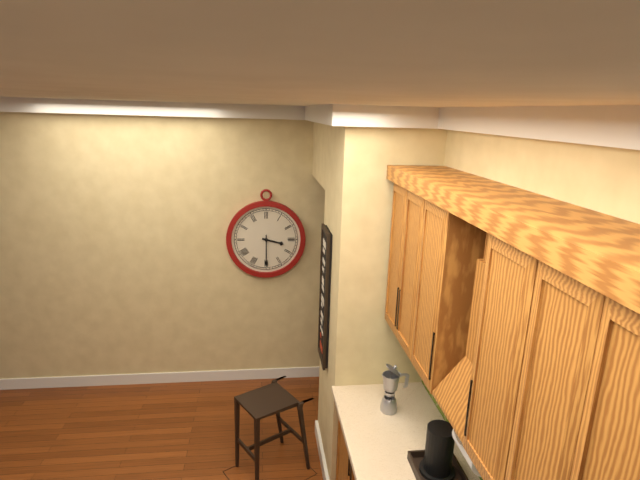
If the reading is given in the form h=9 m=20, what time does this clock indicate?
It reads h=3 m=30
